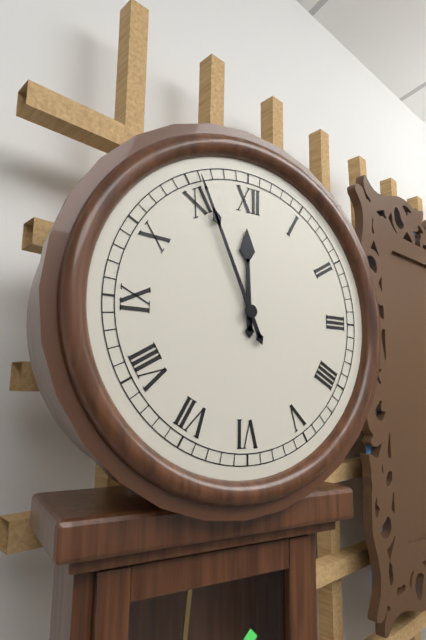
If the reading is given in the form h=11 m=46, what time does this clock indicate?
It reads h=11 m=56
